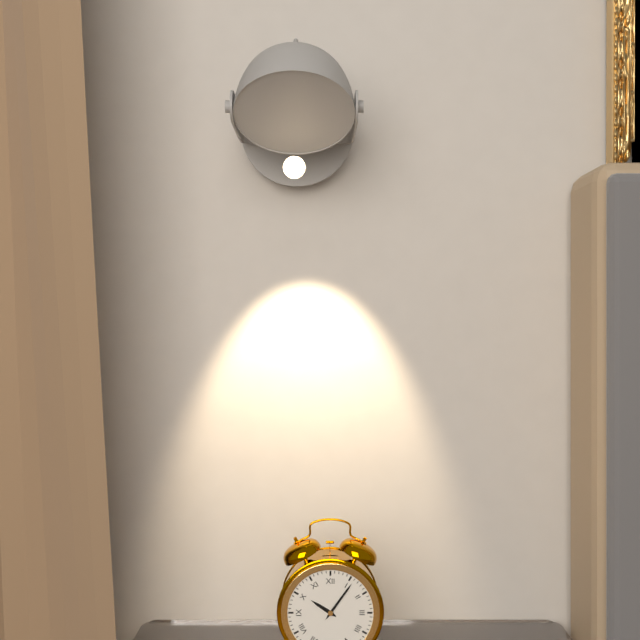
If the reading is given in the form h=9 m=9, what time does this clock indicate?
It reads h=10 m=6
